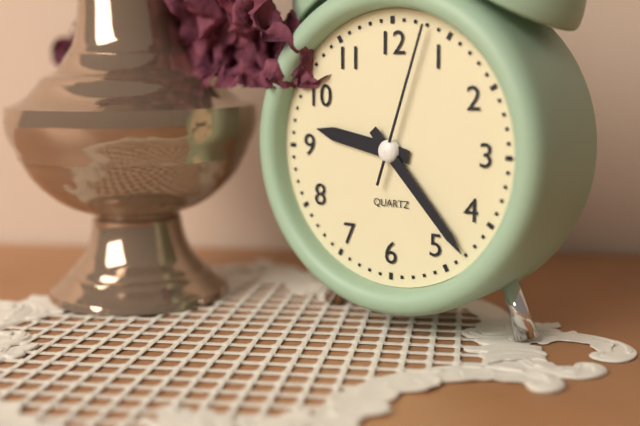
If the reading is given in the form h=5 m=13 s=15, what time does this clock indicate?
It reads h=9 m=23 s=3
